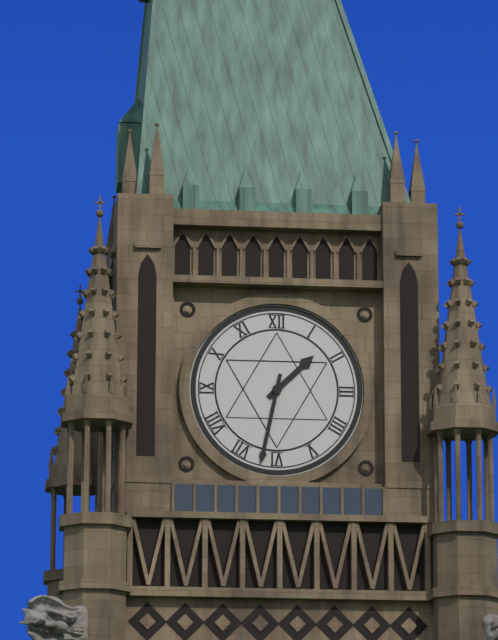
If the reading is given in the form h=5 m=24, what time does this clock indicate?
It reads h=1 m=32
